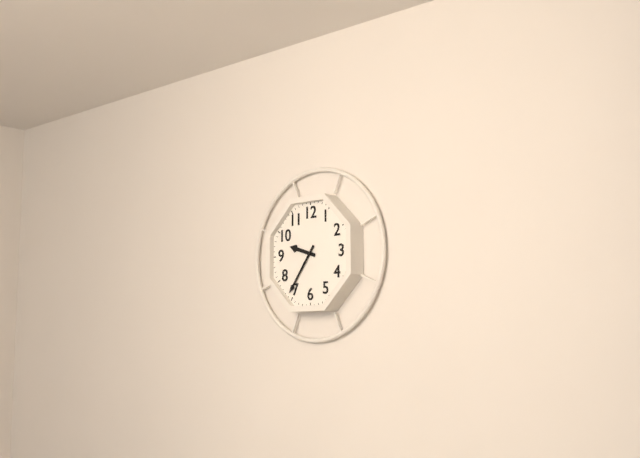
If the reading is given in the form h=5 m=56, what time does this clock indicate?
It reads h=9 m=36
